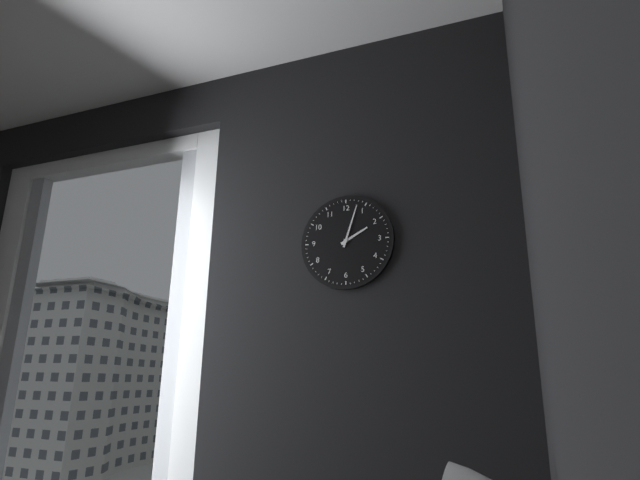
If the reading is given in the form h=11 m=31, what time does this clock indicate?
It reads h=2 m=3
